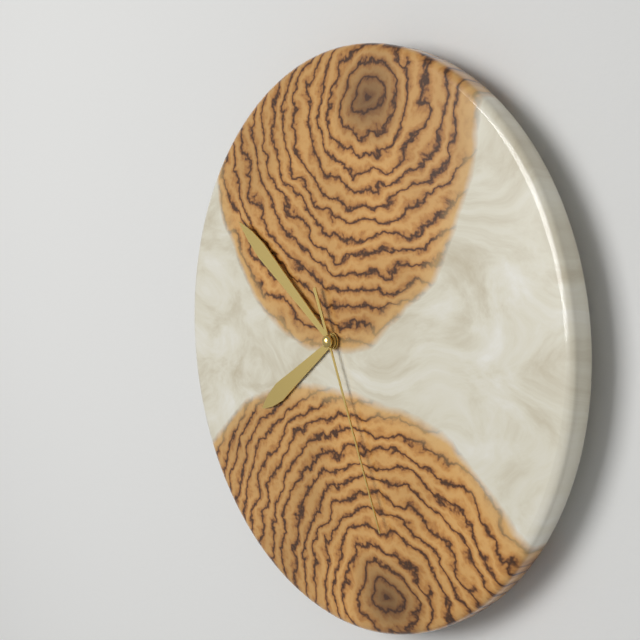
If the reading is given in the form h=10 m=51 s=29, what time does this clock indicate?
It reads h=7 m=51 s=26
